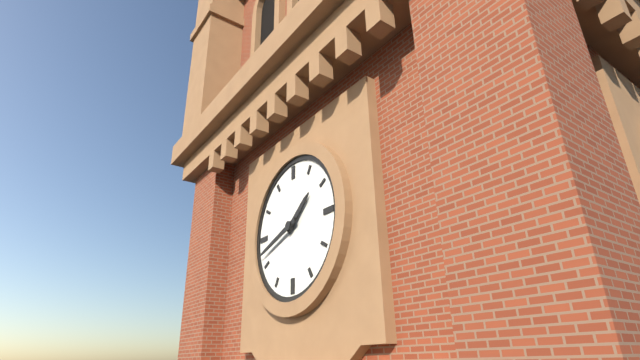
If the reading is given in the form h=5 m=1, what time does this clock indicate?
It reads h=1 m=42
